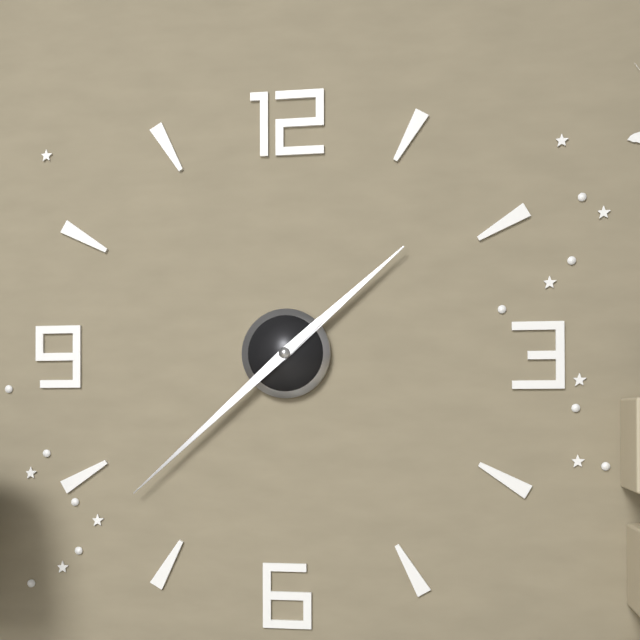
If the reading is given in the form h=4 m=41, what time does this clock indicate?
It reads h=1 m=38
